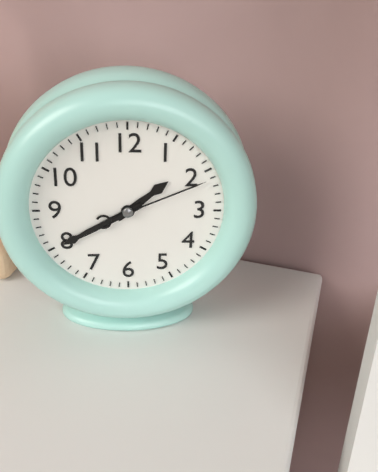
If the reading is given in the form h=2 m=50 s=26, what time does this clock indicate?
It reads h=1 m=40 s=11
